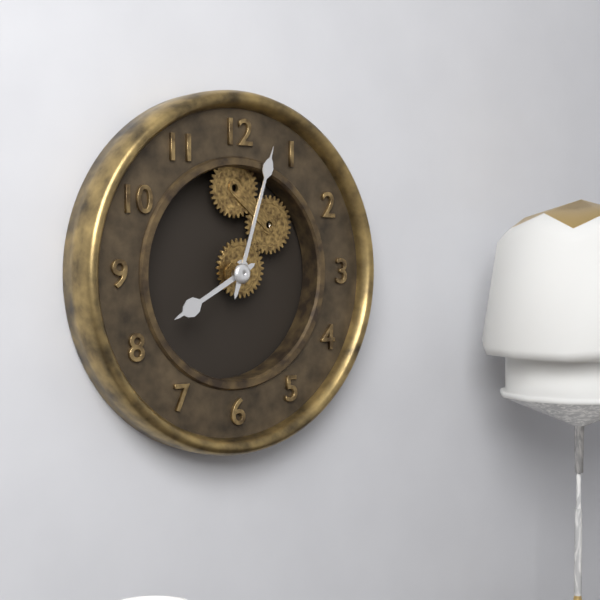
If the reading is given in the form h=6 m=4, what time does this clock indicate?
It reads h=8 m=3
